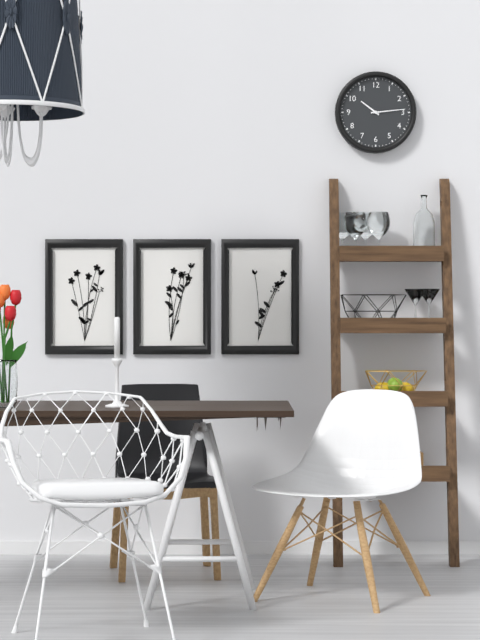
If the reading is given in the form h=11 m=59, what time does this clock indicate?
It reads h=10 m=14
